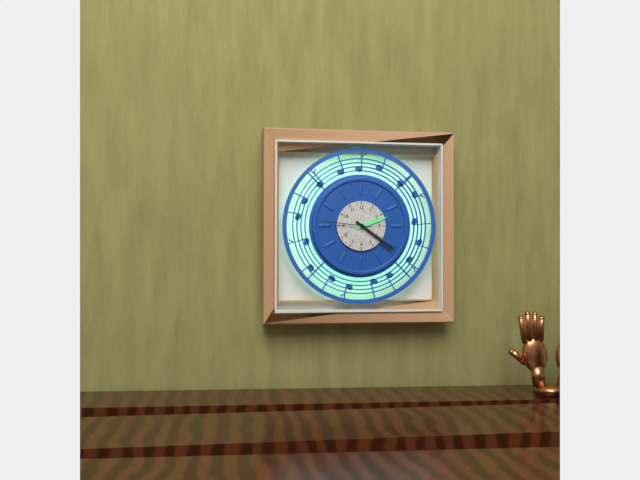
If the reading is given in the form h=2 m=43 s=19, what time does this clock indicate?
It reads h=2 m=21 s=46
